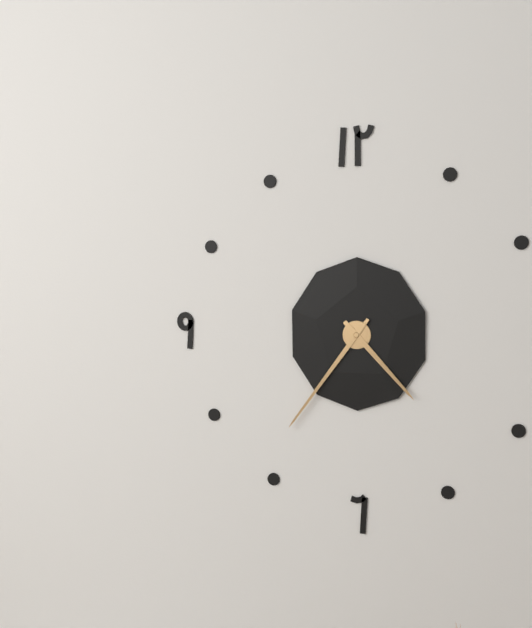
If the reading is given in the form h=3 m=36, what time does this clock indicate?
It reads h=4 m=36
